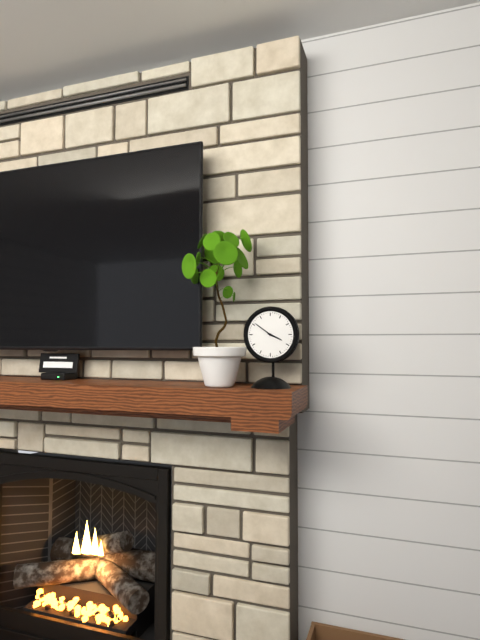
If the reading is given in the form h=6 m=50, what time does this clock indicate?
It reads h=3 m=51
